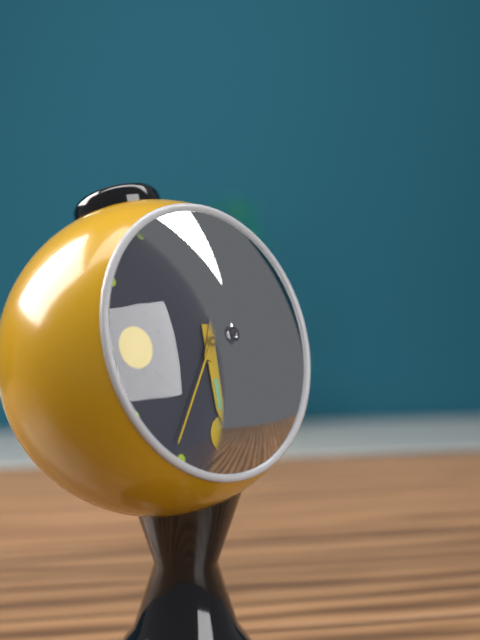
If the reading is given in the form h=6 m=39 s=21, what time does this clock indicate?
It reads h=6 m=4 s=36
